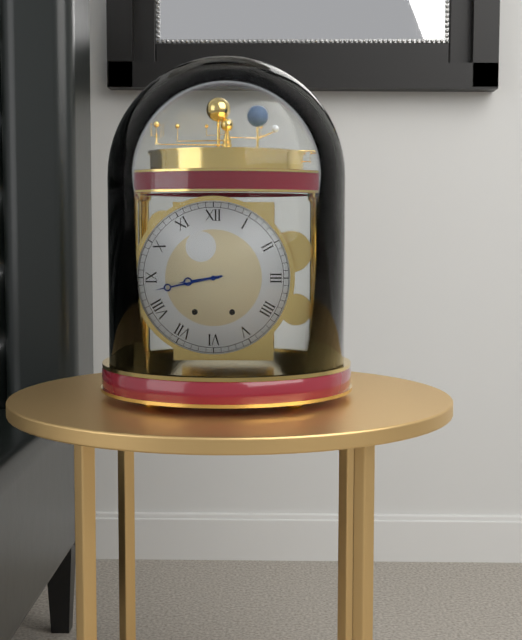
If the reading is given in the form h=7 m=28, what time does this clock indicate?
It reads h=8 m=43
